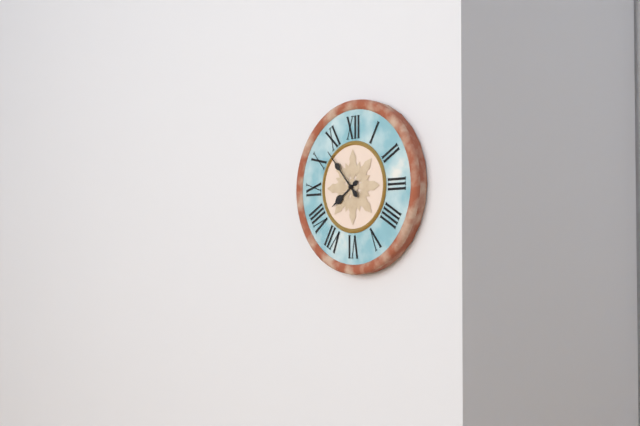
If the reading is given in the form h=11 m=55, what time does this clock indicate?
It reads h=7 m=53
